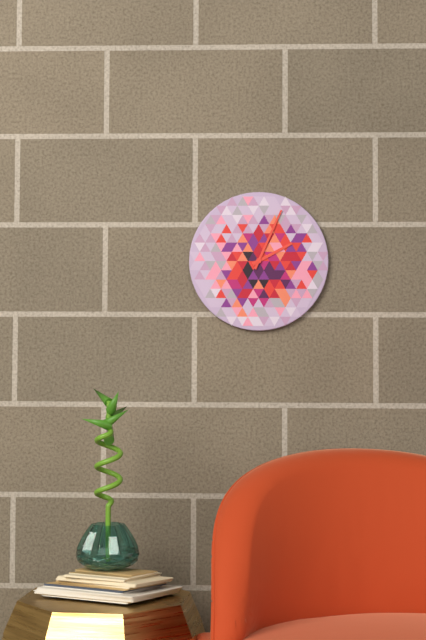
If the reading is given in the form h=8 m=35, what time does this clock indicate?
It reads h=2 m=4
